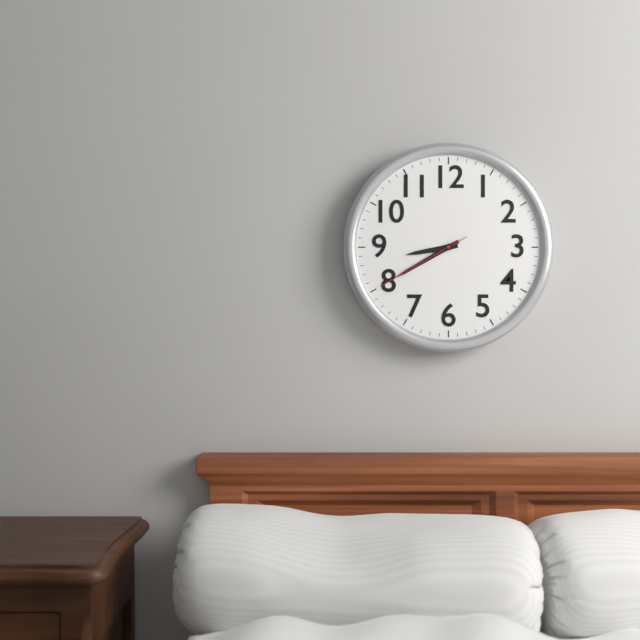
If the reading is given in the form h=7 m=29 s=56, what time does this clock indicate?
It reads h=8 m=40 s=40
